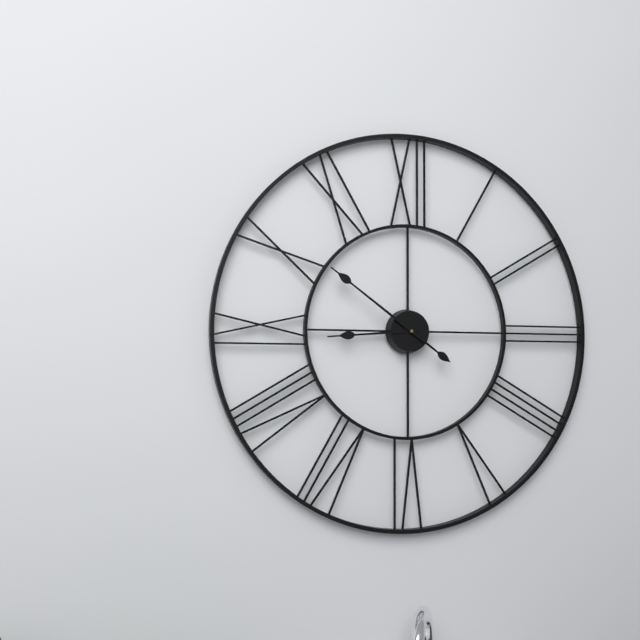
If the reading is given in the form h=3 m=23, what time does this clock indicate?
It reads h=8 m=51
